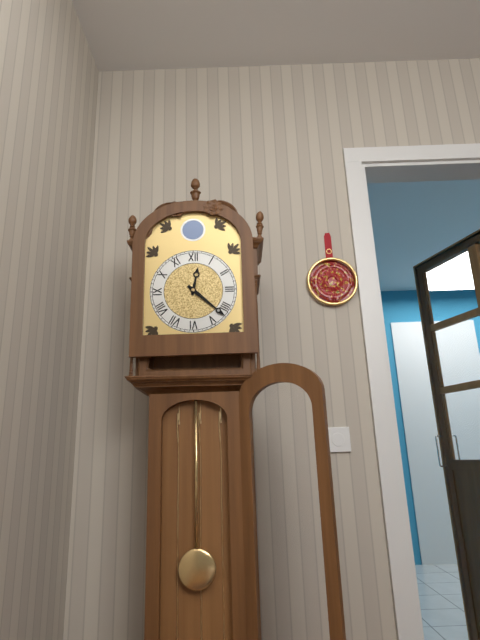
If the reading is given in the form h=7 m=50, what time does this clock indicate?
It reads h=12 m=22
